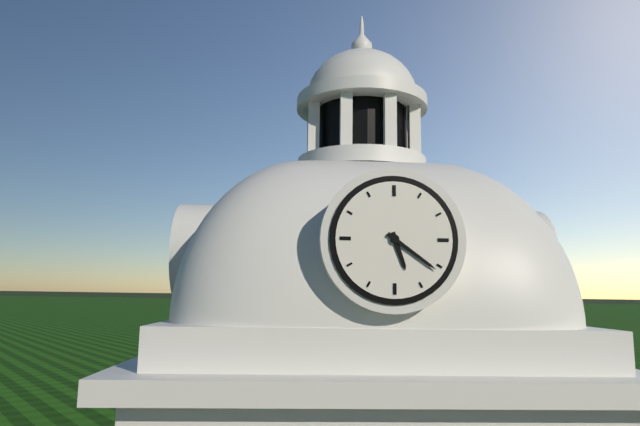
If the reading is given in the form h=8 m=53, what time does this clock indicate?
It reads h=5 m=21
